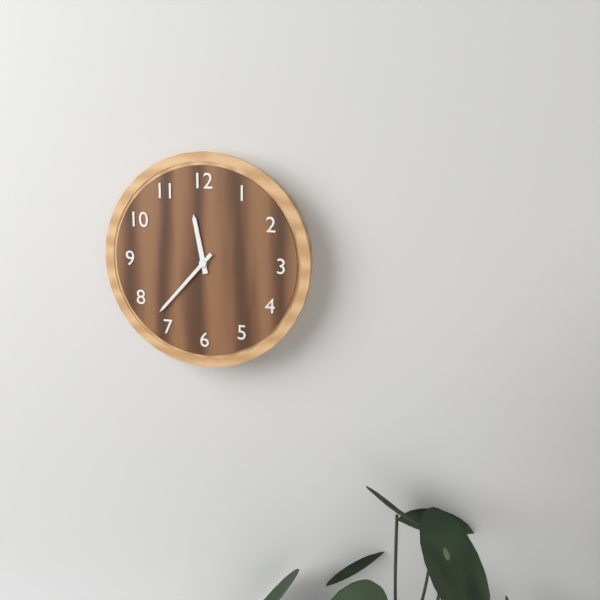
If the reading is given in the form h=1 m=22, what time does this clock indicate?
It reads h=11 m=37
